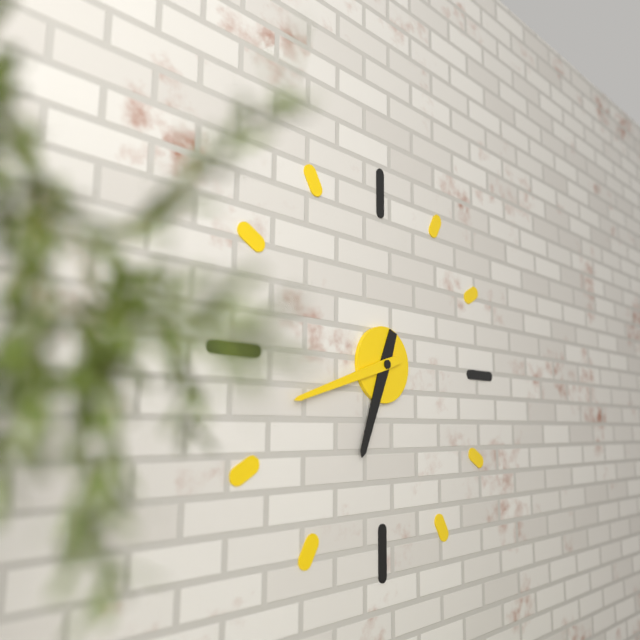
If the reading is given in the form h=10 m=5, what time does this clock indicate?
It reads h=6 m=42
